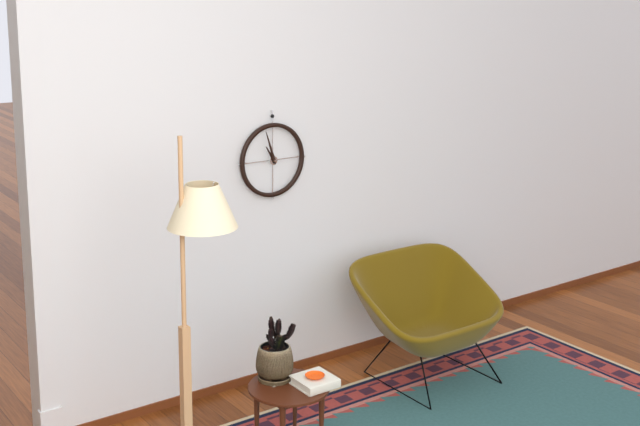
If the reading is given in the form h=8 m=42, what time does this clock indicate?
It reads h=10 m=57
